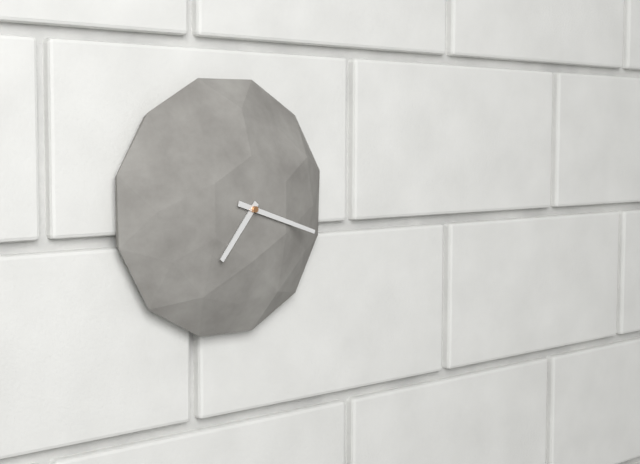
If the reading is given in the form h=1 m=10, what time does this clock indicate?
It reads h=7 m=18
